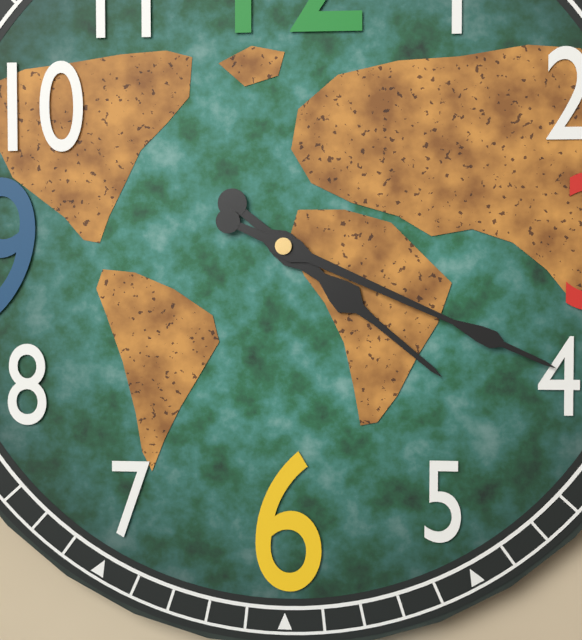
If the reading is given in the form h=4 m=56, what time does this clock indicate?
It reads h=4 m=19
